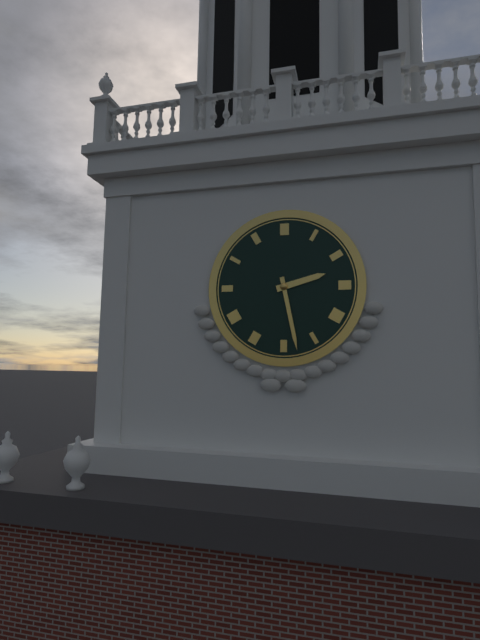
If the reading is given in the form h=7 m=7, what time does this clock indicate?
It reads h=2 m=28
